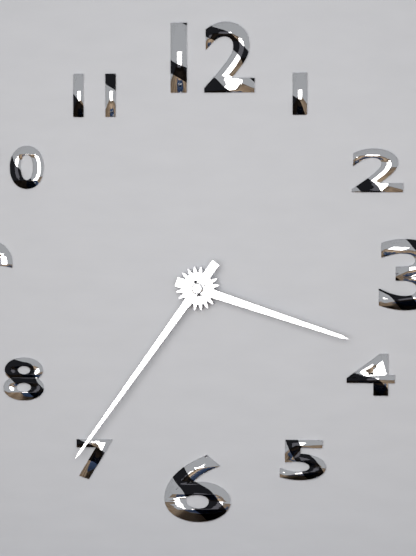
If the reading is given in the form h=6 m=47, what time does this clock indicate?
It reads h=3 m=36
